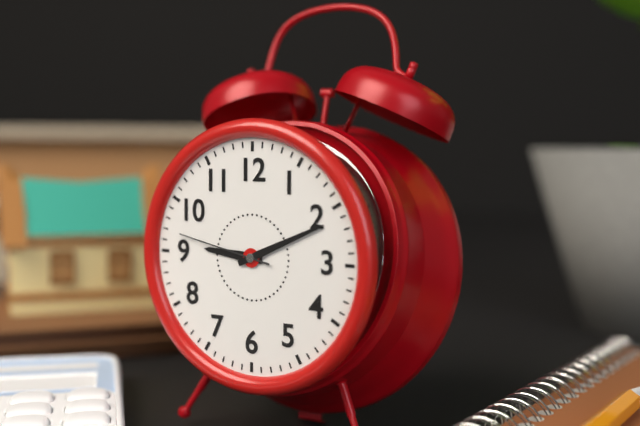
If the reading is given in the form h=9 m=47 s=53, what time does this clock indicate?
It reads h=9 m=11 s=47
